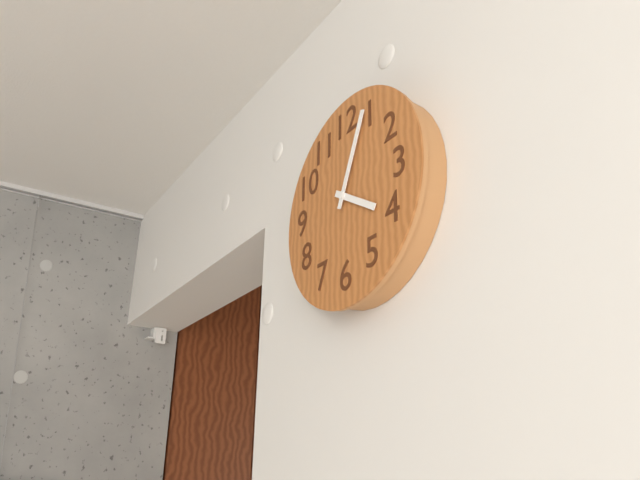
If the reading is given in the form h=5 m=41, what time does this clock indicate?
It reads h=4 m=4
